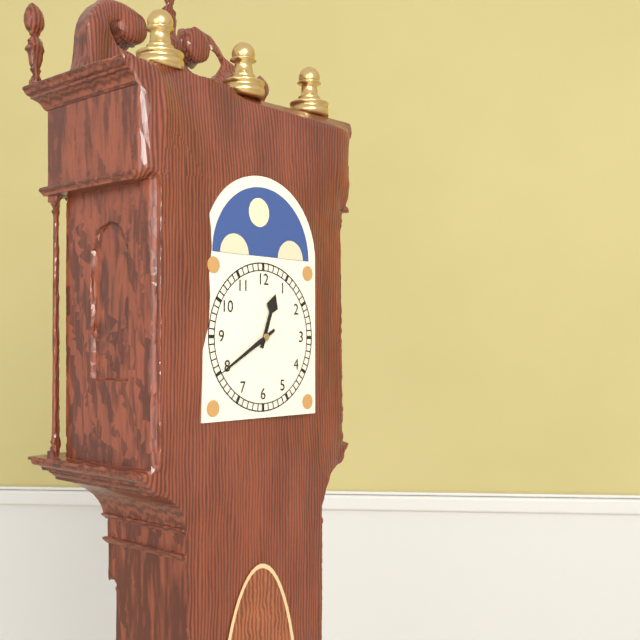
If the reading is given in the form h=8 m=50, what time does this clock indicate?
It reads h=12 m=40
